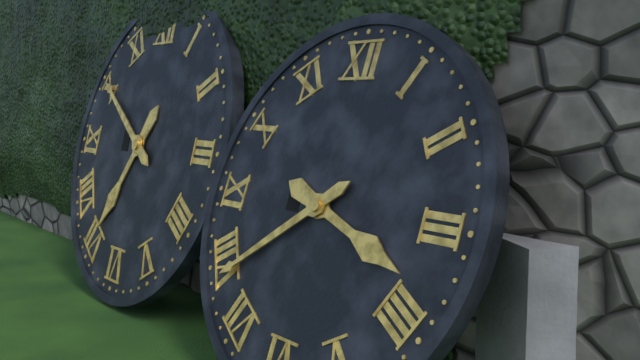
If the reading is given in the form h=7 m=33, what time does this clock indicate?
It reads h=3 m=39
